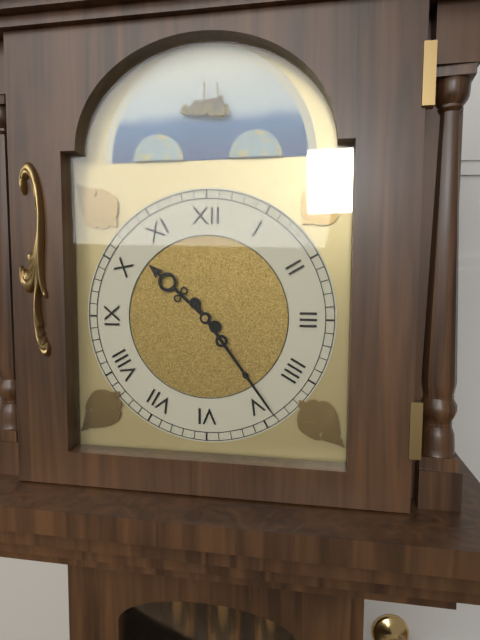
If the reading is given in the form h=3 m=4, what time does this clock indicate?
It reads h=10 m=24
